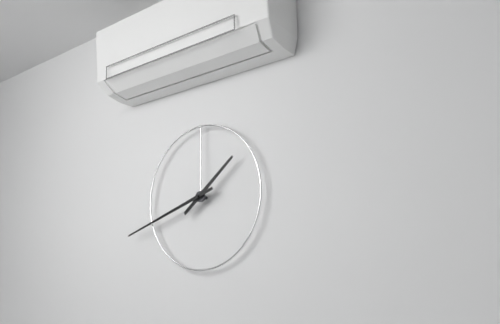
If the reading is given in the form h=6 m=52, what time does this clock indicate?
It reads h=1 m=42
